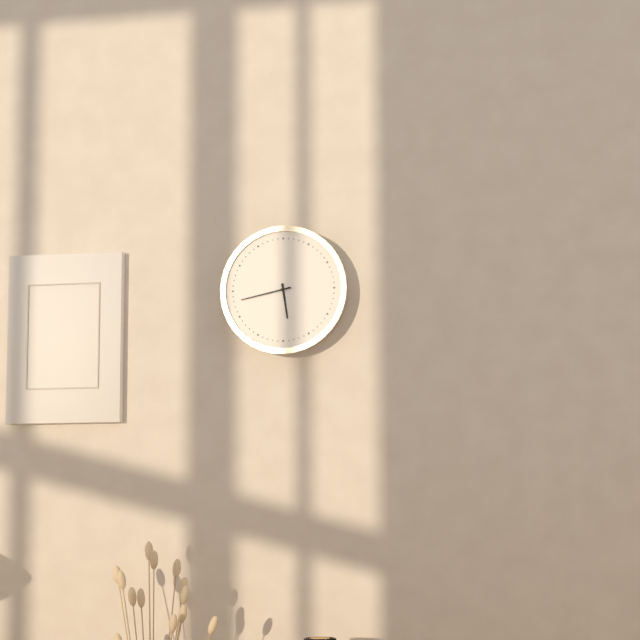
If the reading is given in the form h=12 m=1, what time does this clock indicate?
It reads h=5 m=43
